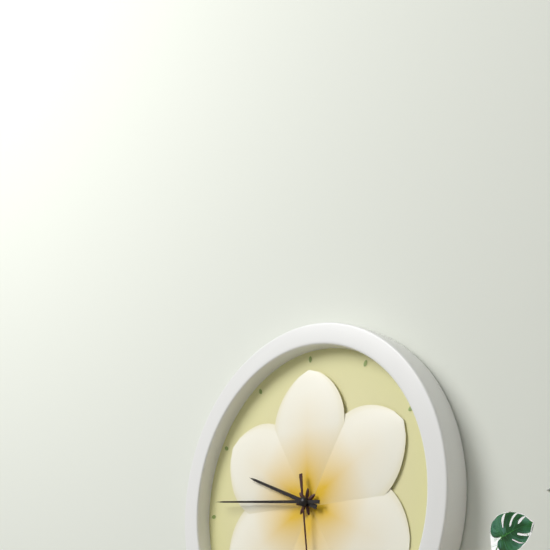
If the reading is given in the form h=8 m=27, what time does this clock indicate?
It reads h=9 m=46
